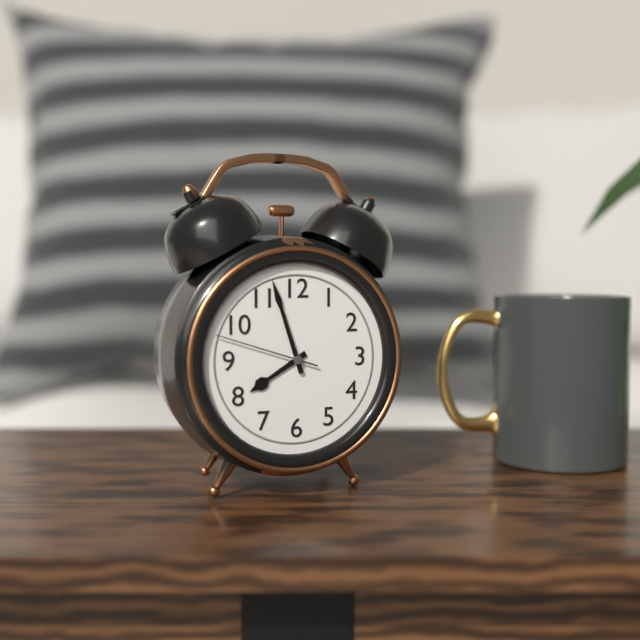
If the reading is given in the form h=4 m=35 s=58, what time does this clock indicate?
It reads h=7 m=57 s=48
